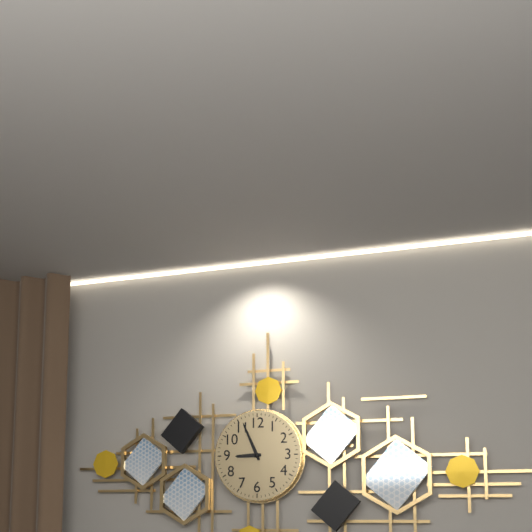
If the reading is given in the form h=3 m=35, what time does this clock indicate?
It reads h=8 m=56
